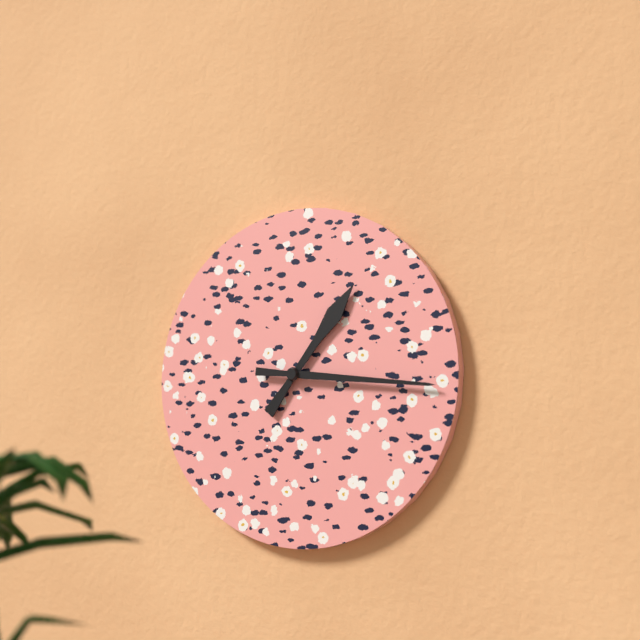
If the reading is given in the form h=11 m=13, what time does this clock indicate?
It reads h=1 m=16
